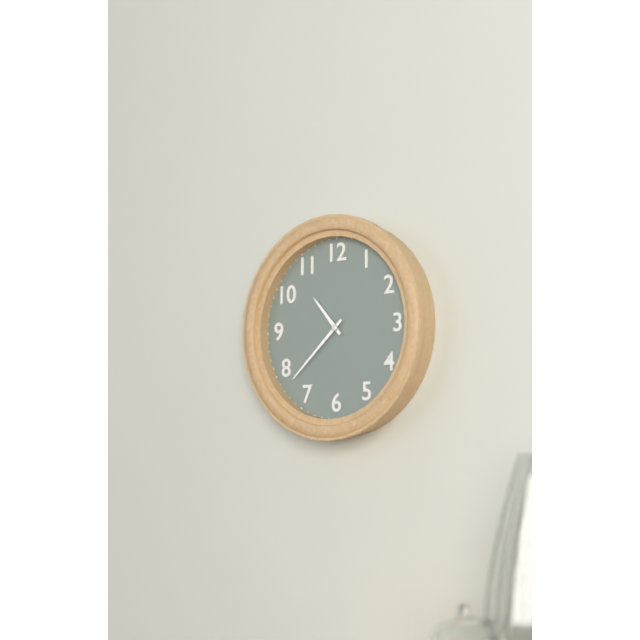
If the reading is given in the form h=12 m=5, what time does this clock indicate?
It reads h=10 m=38
